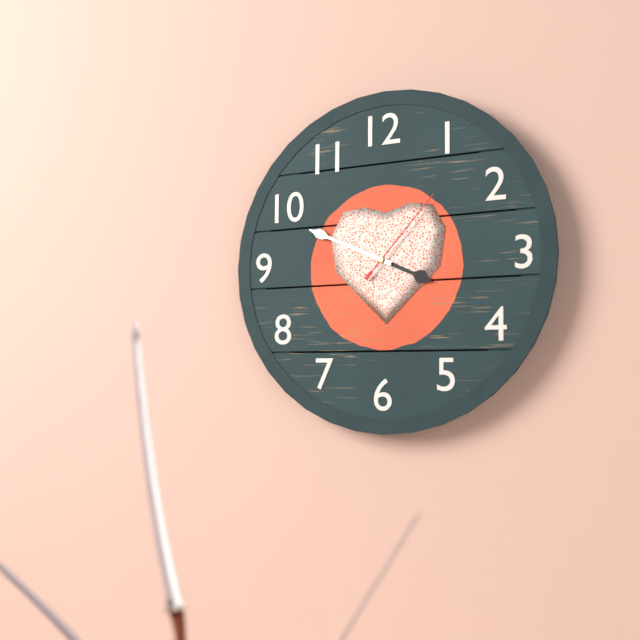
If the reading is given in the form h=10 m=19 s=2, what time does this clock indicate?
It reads h=3 m=49 s=7
